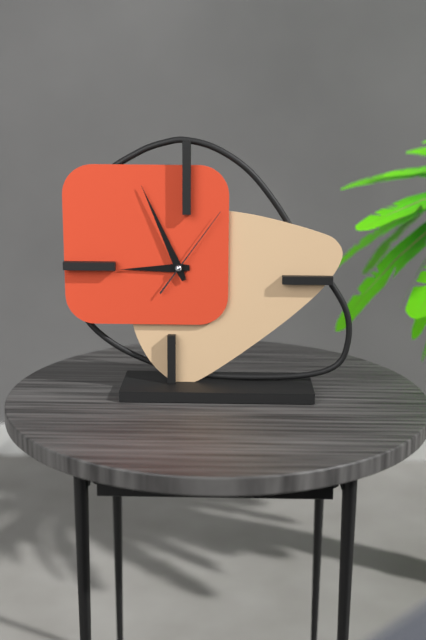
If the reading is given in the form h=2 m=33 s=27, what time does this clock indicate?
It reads h=8 m=56 s=6
